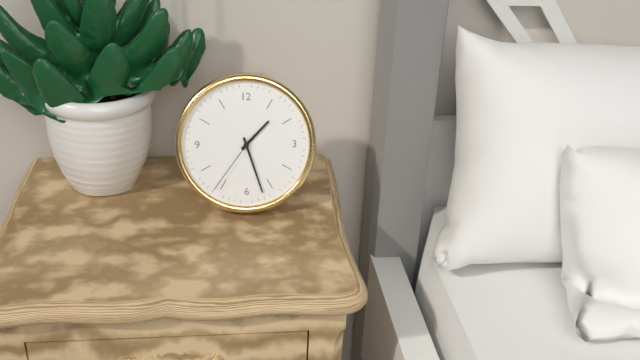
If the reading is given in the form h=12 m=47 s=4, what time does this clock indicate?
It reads h=1 m=27 s=36
